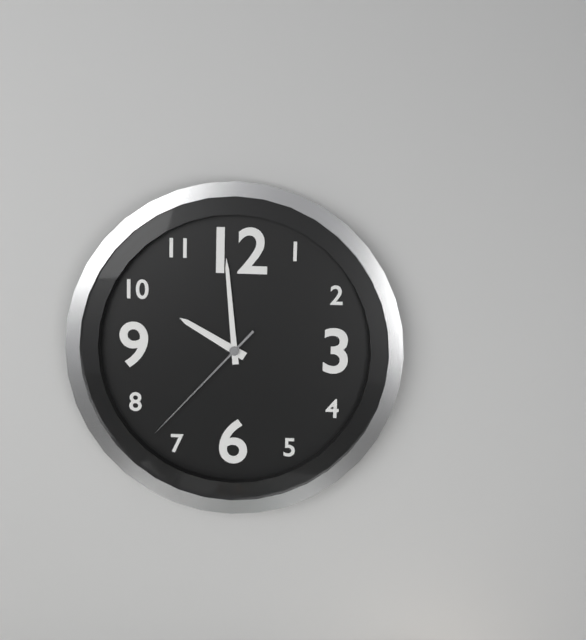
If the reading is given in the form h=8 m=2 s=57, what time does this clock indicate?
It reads h=9 m=59 s=37
